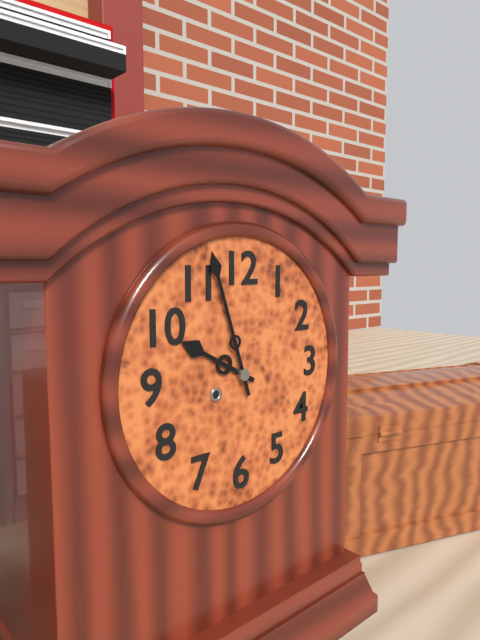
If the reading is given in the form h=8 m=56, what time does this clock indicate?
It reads h=9 m=57
